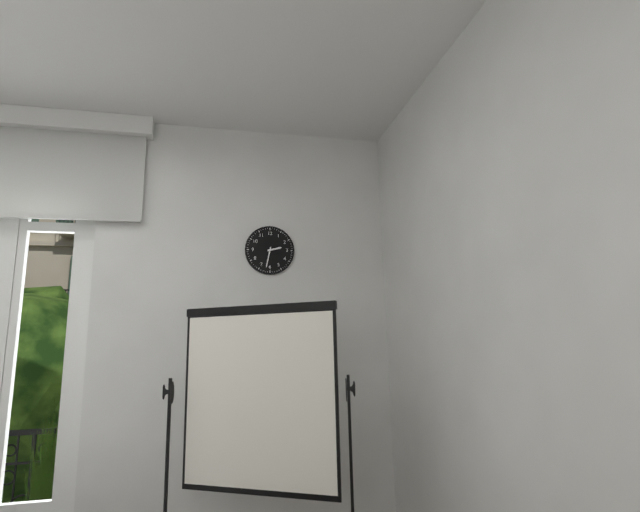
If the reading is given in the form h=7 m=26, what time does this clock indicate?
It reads h=2 m=32
